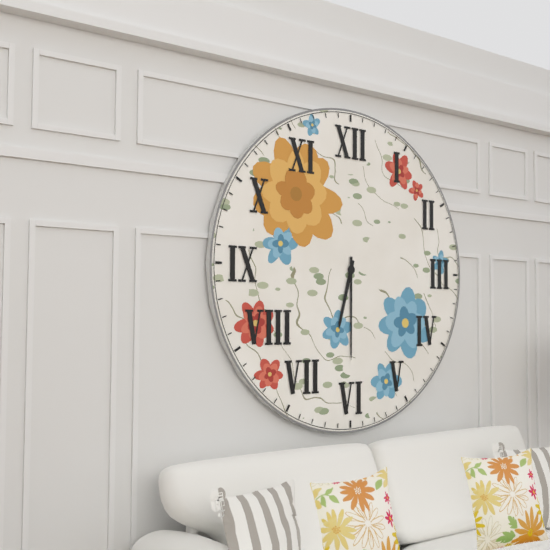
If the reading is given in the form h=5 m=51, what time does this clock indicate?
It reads h=6 m=30
